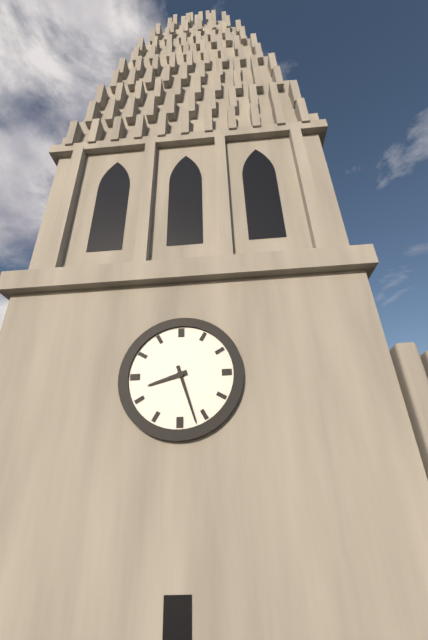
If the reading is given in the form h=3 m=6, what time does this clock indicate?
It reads h=8 m=27
